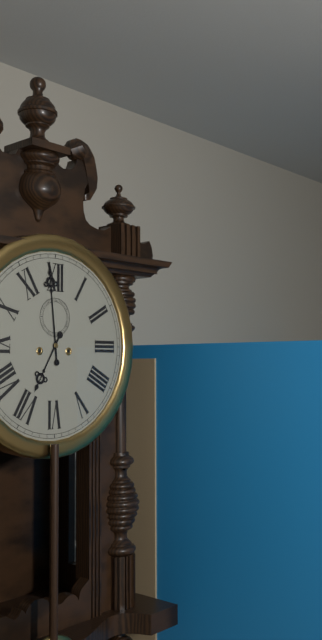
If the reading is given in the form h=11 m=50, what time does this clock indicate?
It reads h=6 m=59
